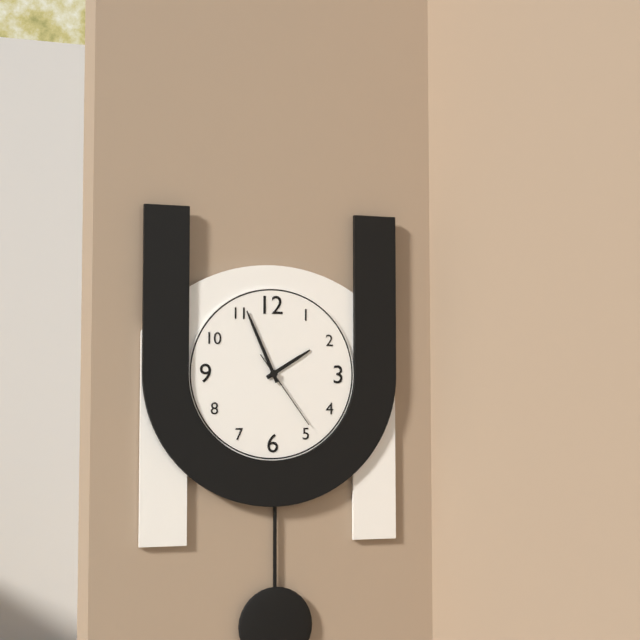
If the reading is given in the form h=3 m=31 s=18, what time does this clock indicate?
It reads h=1 m=56 s=24
